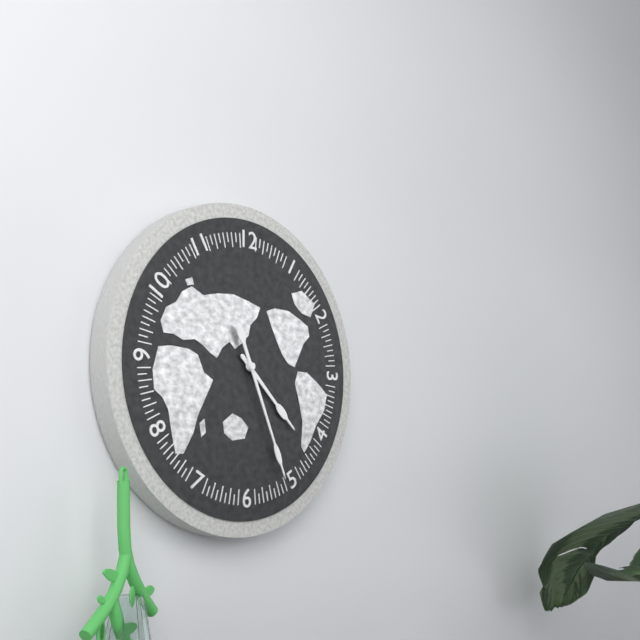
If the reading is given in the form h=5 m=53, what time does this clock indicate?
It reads h=4 m=26
